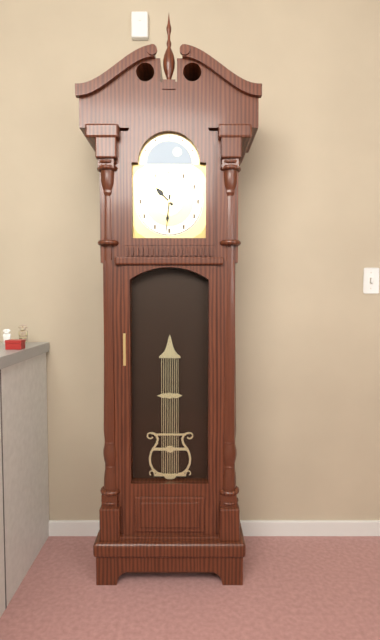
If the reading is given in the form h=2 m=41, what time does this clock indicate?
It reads h=10 m=31
